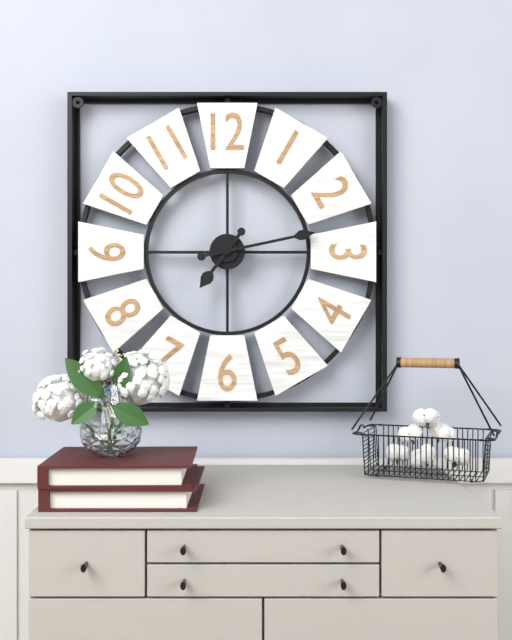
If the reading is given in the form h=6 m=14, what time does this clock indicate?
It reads h=7 m=13
